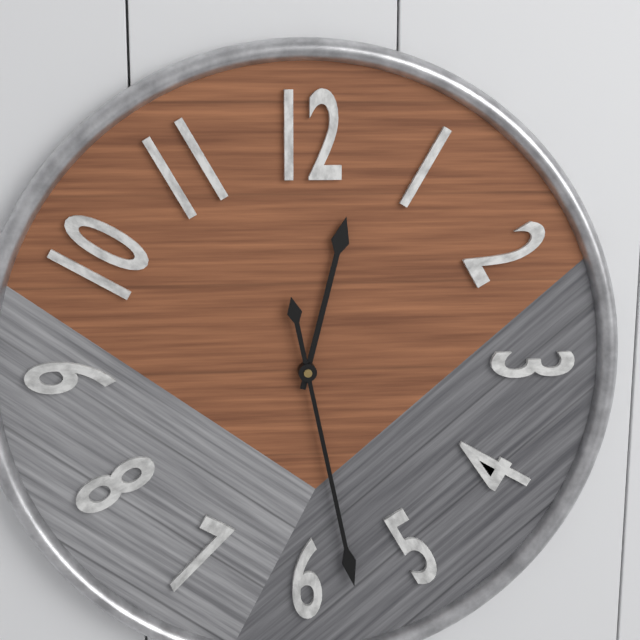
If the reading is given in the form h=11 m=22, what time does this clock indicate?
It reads h=12 m=28
